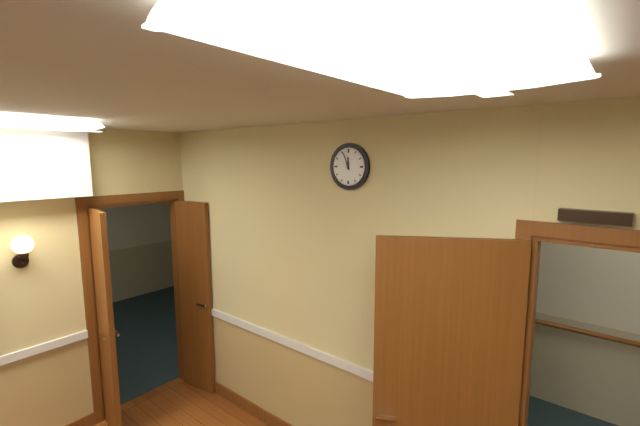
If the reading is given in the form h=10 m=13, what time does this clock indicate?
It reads h=11 m=56
